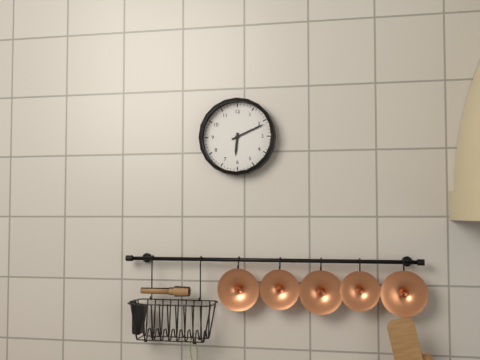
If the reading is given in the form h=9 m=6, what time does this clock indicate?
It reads h=6 m=11
